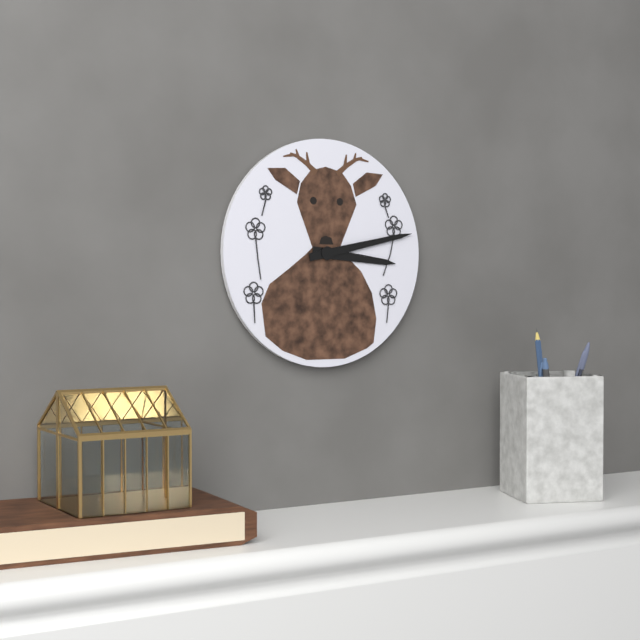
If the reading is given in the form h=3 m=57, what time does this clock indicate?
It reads h=3 m=13
